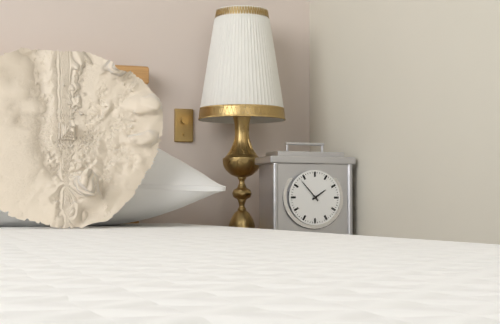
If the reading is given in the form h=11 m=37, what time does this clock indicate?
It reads h=1 m=53
